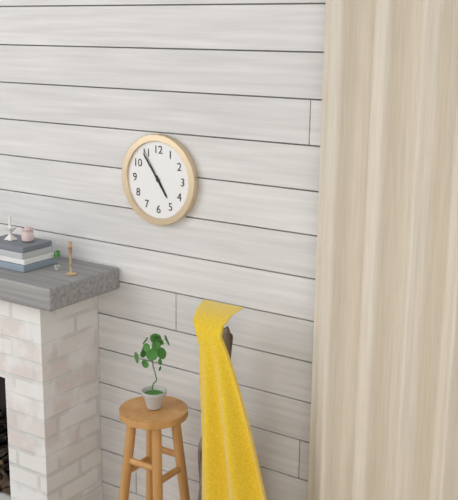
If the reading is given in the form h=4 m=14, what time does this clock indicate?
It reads h=4 m=54
